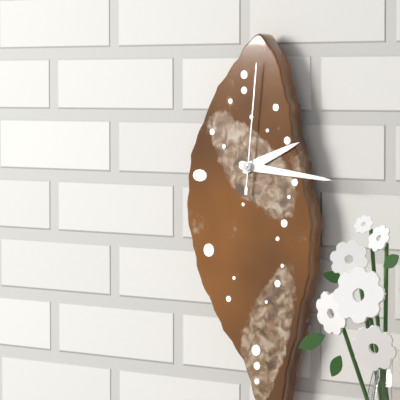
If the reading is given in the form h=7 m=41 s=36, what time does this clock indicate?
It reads h=2 m=16 s=1
